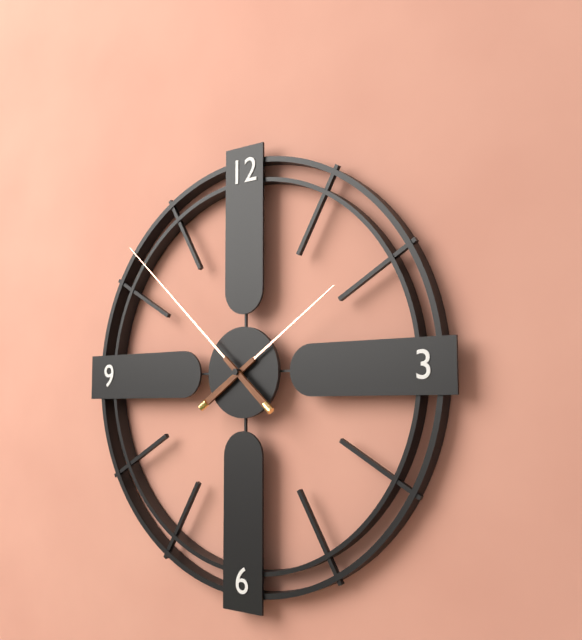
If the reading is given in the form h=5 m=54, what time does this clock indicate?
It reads h=1 m=52
